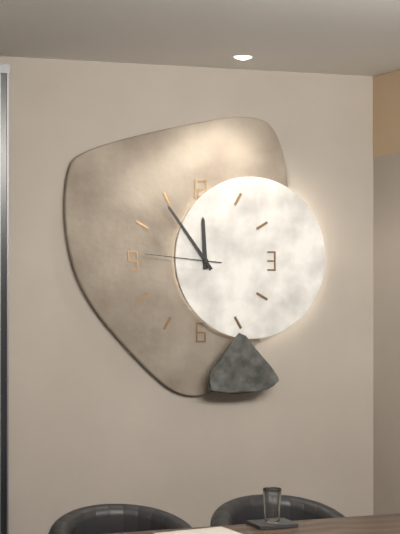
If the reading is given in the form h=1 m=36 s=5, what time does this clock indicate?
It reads h=11 m=54 s=46
